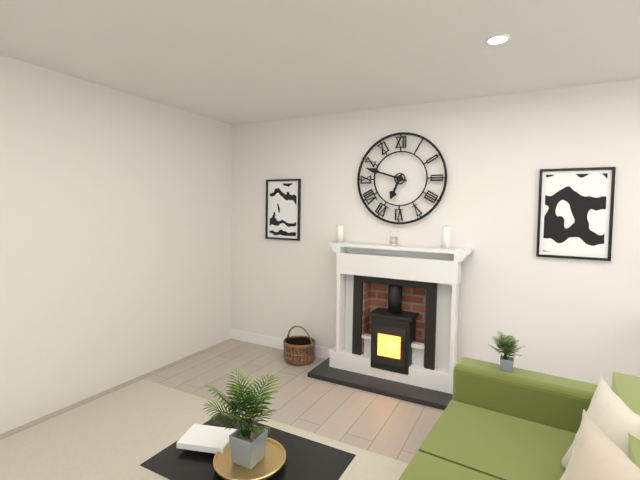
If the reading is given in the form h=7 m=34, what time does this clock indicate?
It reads h=6 m=48
